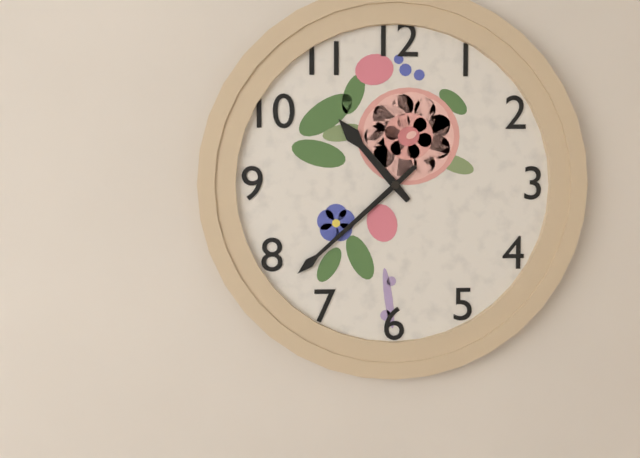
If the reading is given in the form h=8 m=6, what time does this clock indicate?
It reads h=10 m=38
